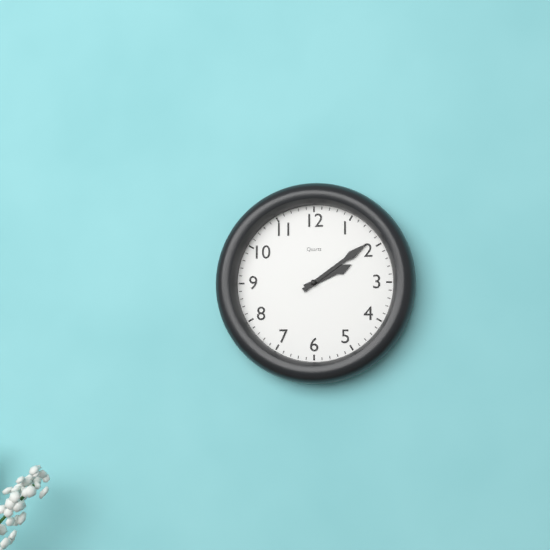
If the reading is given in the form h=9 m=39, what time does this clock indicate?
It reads h=2 m=9
